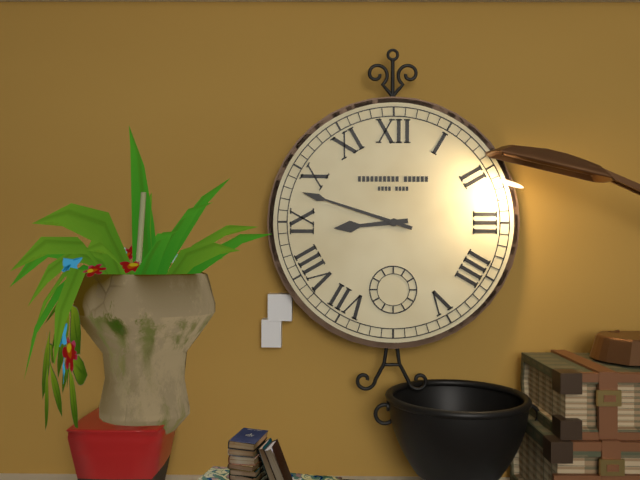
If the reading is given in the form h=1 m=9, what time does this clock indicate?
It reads h=8 m=48
